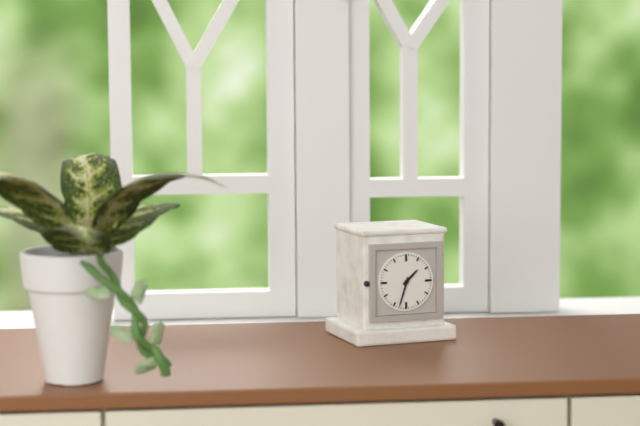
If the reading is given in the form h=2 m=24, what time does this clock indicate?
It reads h=1 m=33
